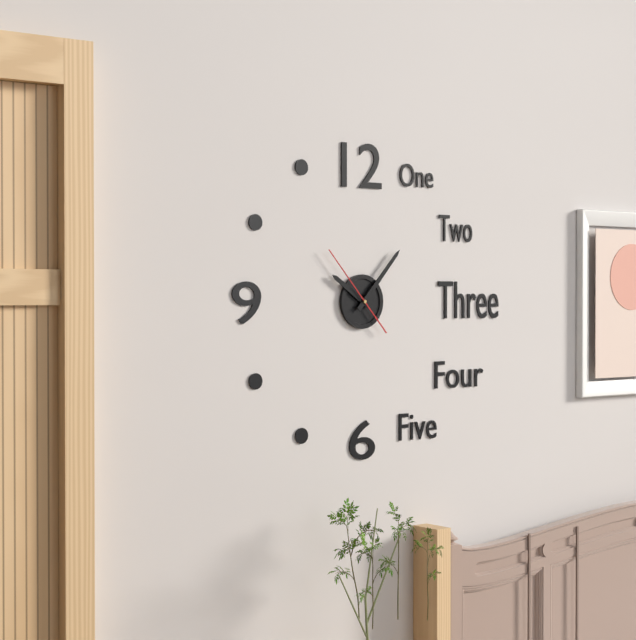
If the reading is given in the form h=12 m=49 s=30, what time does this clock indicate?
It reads h=10 m=7 s=53
